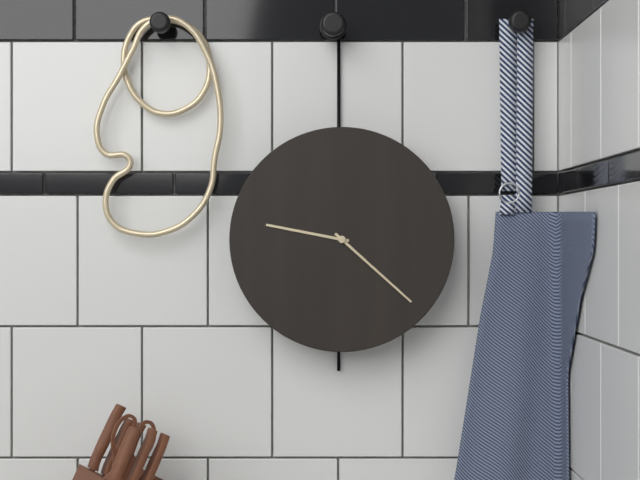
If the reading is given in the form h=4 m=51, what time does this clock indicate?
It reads h=9 m=22
